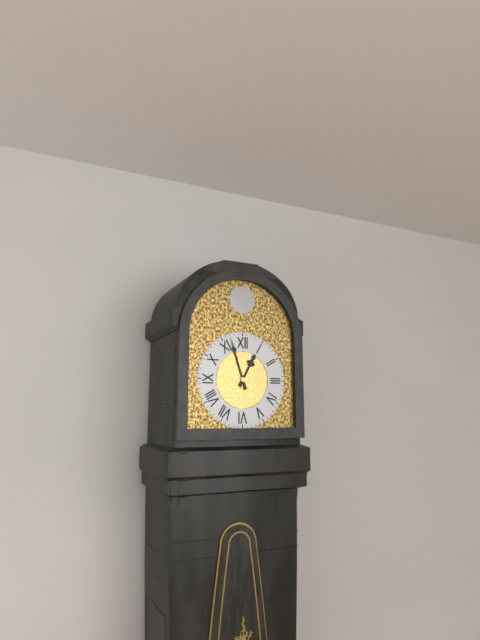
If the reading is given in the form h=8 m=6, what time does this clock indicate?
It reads h=12 m=57
